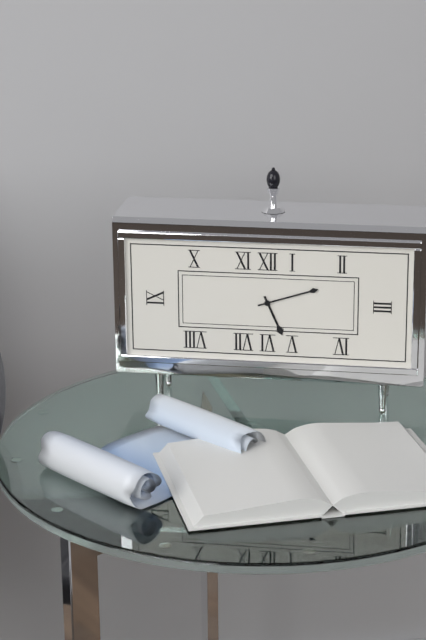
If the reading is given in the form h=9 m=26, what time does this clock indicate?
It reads h=5 m=12
